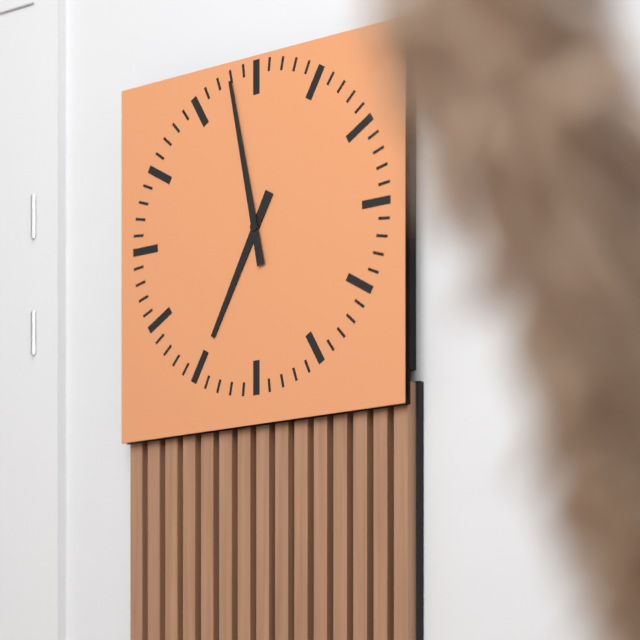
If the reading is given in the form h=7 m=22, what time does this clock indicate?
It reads h=6 m=58
